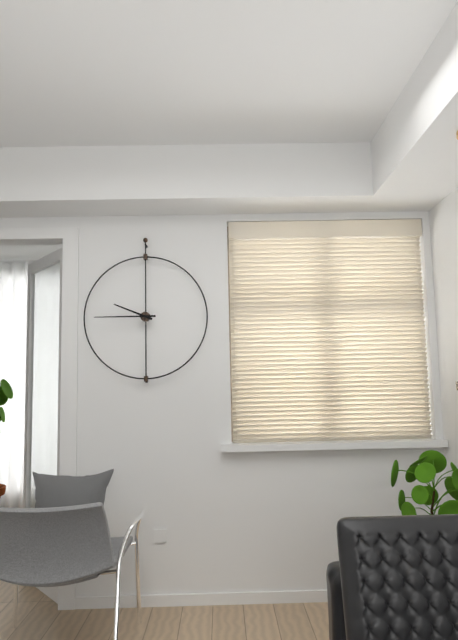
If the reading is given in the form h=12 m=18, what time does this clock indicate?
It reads h=9 m=45
